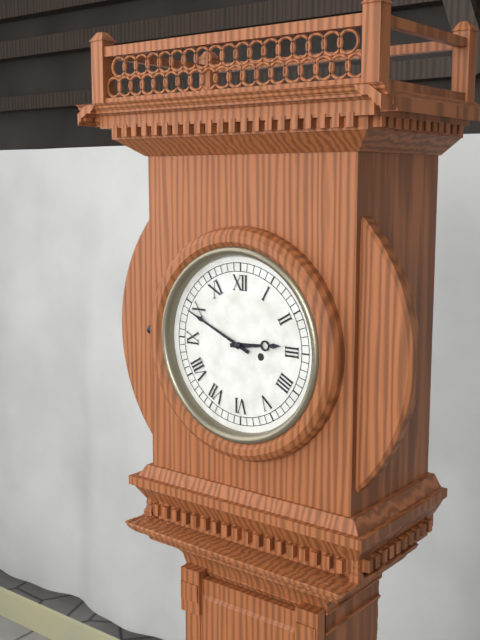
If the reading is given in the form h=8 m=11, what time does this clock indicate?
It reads h=2 m=49
